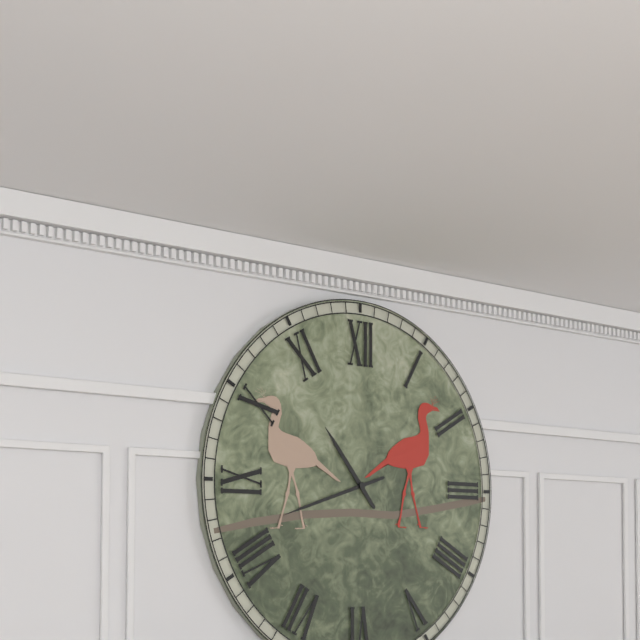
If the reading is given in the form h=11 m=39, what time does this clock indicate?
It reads h=10 m=42
